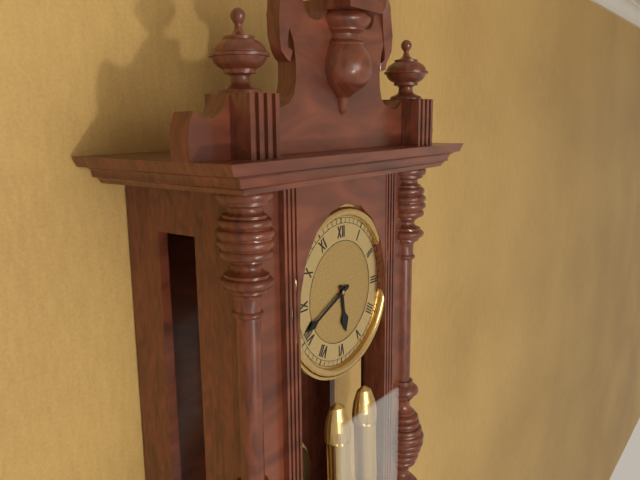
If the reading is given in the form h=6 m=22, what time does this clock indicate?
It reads h=5 m=41
